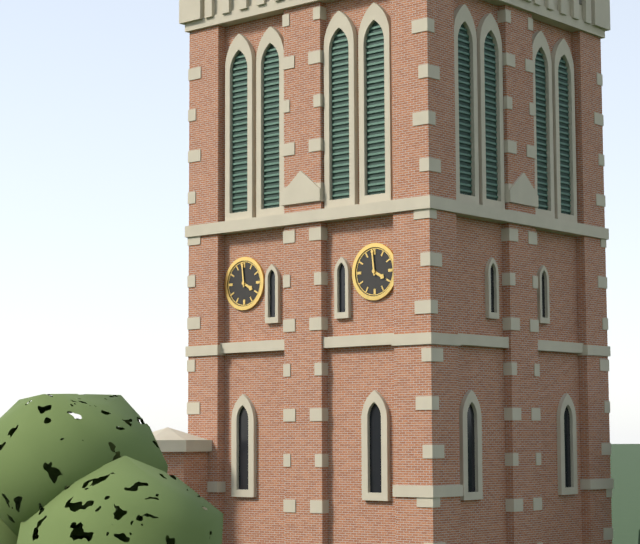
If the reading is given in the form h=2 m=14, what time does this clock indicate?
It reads h=3 m=59
